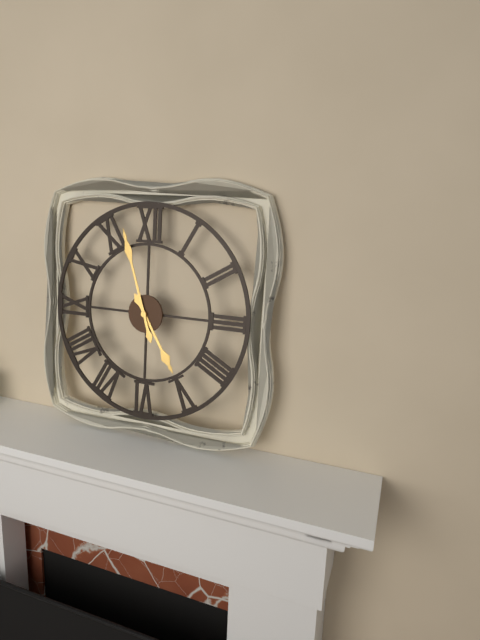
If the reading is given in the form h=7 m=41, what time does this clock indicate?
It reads h=4 m=57
